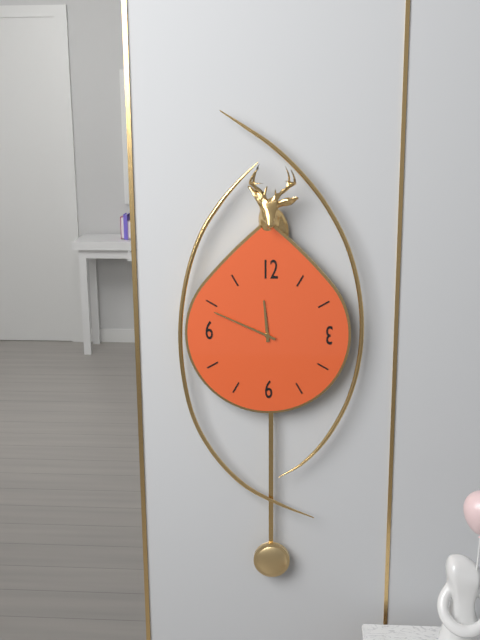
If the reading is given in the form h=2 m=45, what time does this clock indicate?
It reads h=11 m=49
